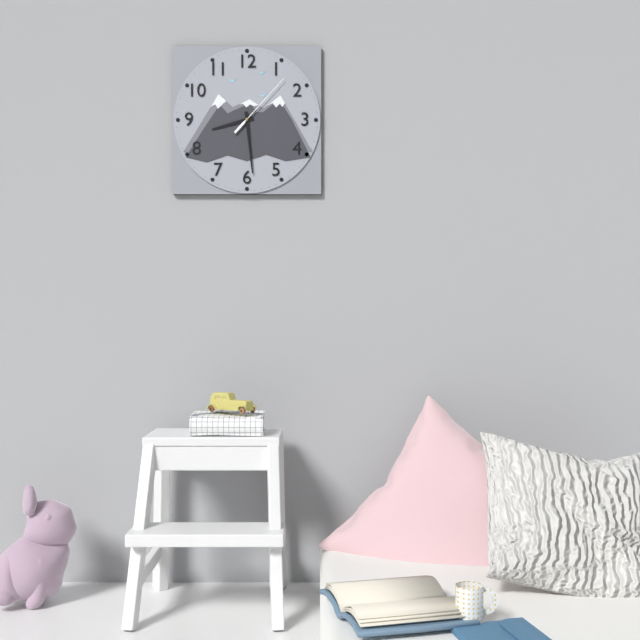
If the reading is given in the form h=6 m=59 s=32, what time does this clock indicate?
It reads h=8 m=29 s=7
